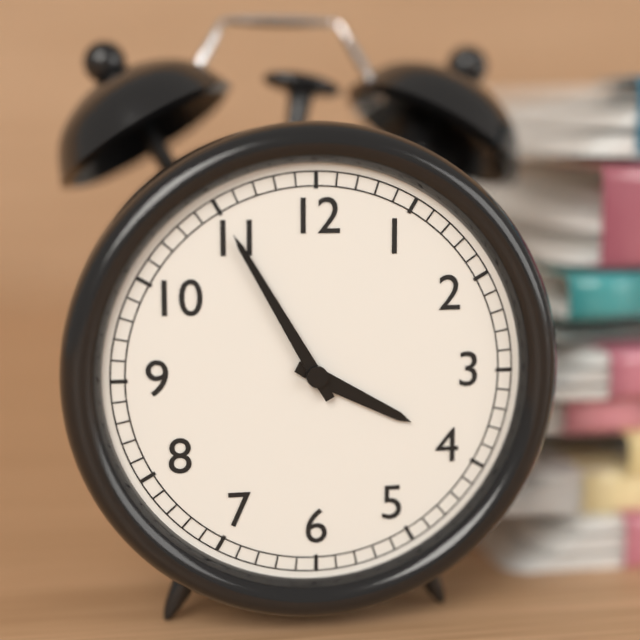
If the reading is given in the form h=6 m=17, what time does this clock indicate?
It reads h=3 m=55
